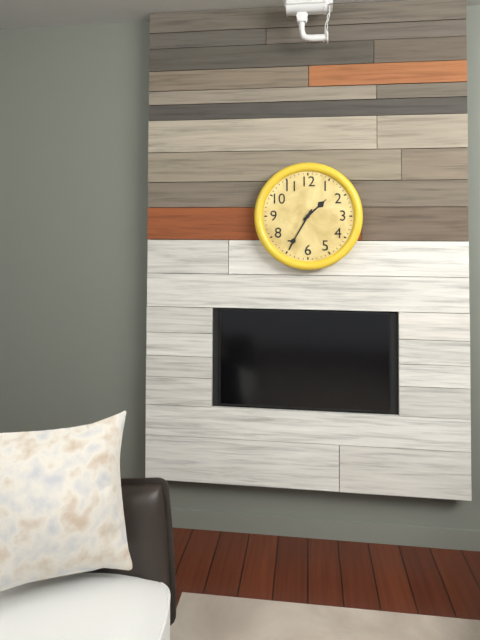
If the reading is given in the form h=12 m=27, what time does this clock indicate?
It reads h=1 m=35
